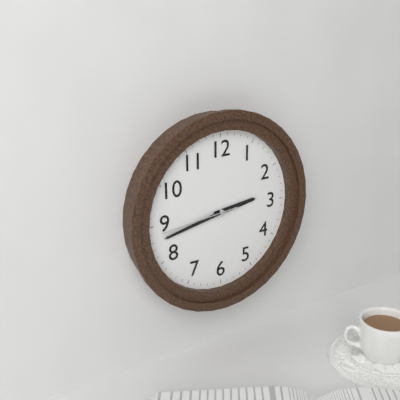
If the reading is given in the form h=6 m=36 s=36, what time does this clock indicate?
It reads h=2 m=43 s=44
